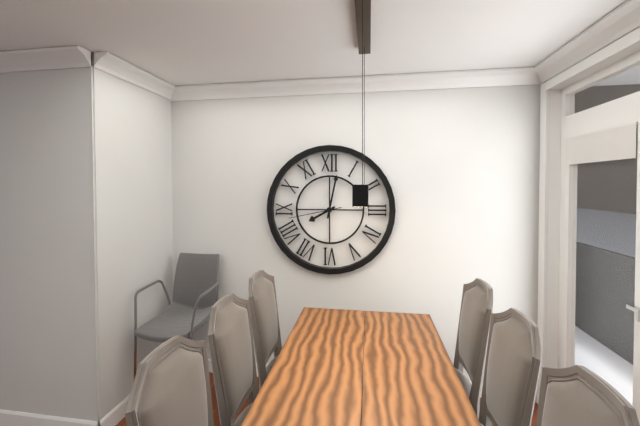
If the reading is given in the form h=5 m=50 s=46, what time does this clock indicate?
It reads h=8 m=2 s=43
